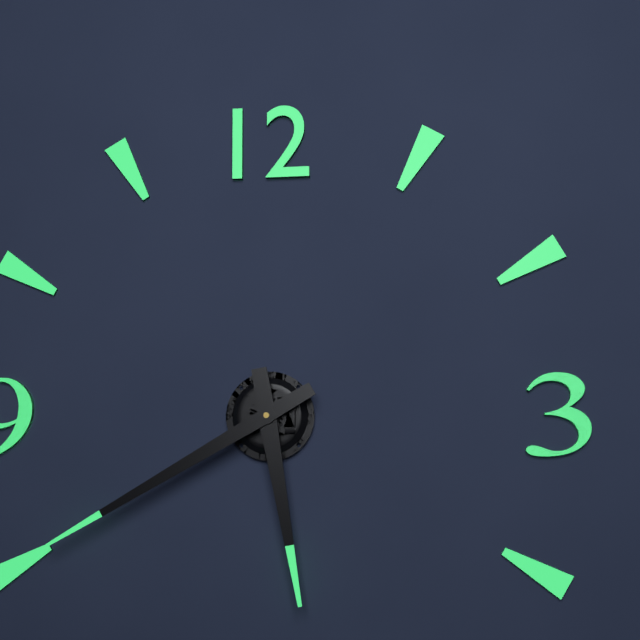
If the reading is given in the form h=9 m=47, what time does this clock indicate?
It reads h=5 m=40
